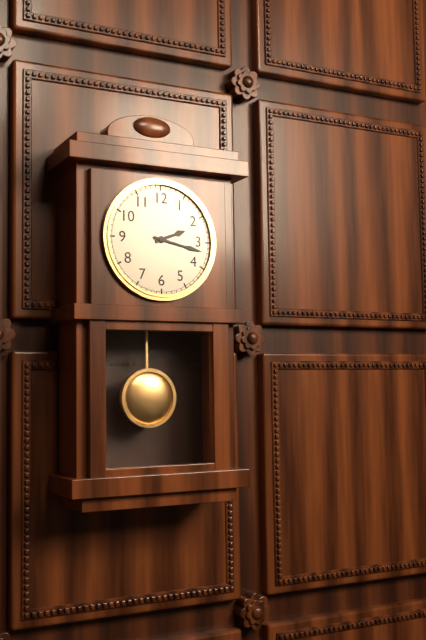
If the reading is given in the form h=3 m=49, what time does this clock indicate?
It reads h=2 m=17
